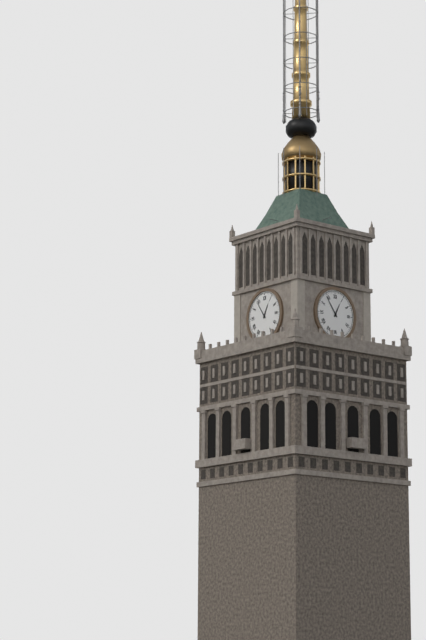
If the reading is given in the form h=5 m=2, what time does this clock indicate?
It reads h=12 m=54
